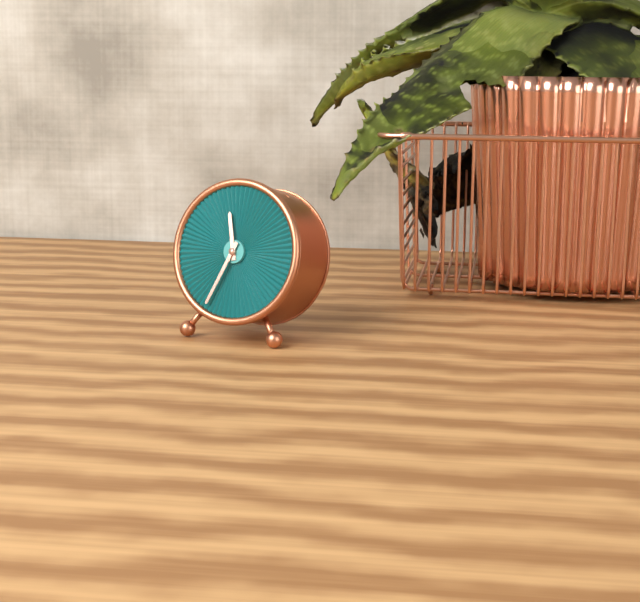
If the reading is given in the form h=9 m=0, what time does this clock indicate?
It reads h=11 m=34
